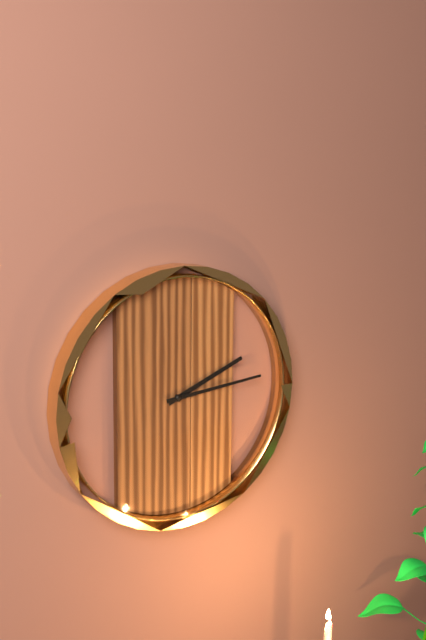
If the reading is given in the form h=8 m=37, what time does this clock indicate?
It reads h=2 m=14
